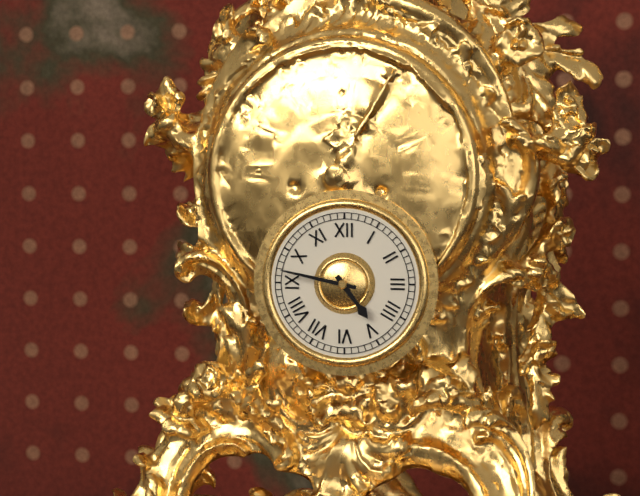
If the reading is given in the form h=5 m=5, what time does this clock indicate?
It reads h=4 m=47
